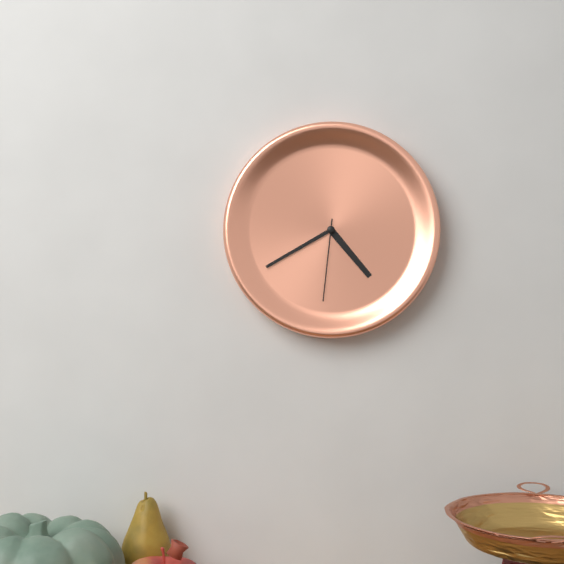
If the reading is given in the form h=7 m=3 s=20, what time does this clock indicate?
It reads h=4 m=40 s=31
